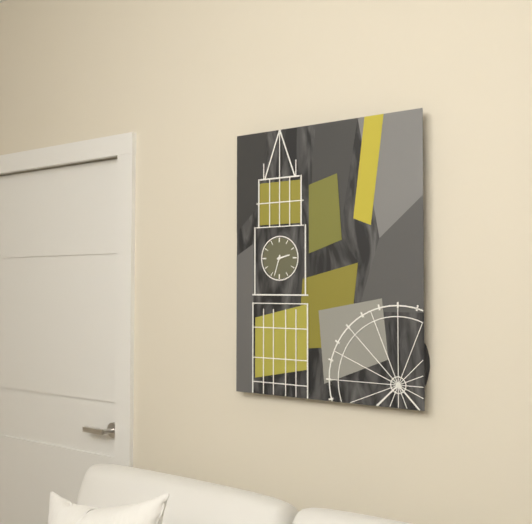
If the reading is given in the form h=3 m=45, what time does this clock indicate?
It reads h=2 m=33
